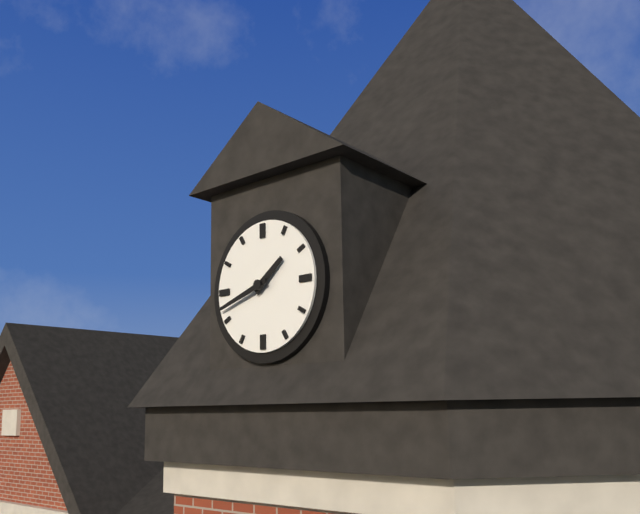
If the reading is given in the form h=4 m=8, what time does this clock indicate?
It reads h=1 m=42
